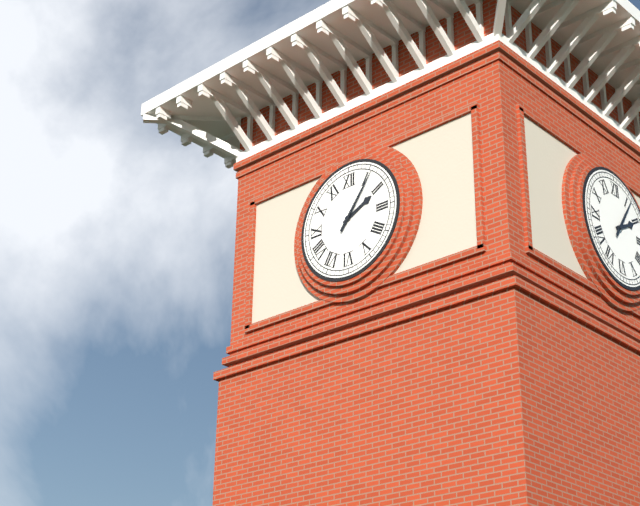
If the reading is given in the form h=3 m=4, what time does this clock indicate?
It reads h=2 m=6
